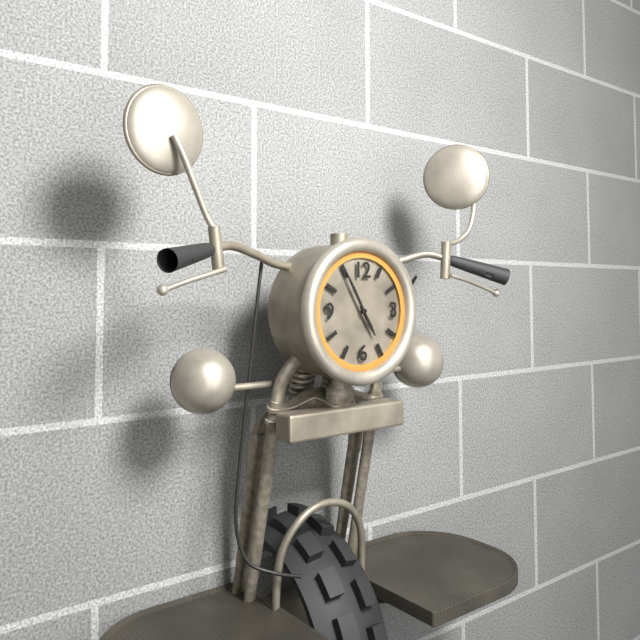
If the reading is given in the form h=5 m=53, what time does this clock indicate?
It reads h=4 m=55
